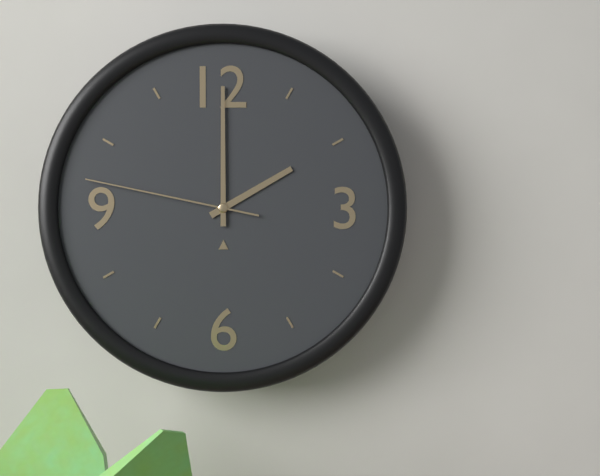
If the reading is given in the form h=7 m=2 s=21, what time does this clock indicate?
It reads h=2 m=0 s=47
